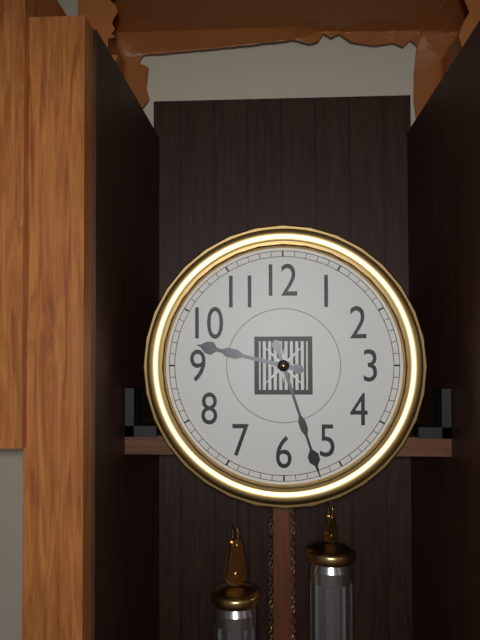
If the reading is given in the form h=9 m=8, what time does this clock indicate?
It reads h=9 m=27
